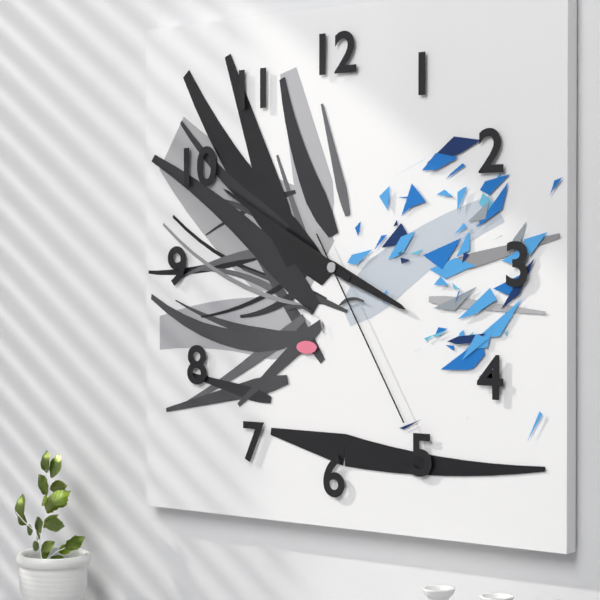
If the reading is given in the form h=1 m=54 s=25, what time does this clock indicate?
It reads h=3 m=50 s=25
